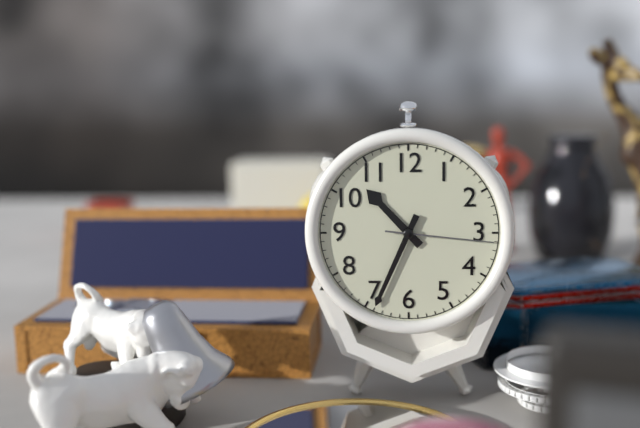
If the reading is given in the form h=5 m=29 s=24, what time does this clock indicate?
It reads h=10 m=34 s=16
